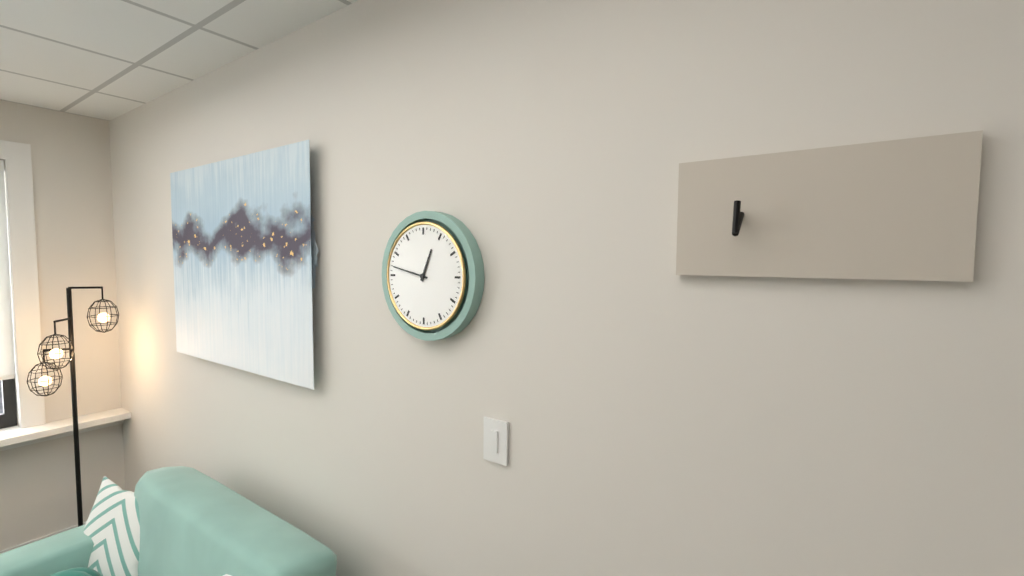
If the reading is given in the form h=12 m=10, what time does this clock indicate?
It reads h=12 m=47
